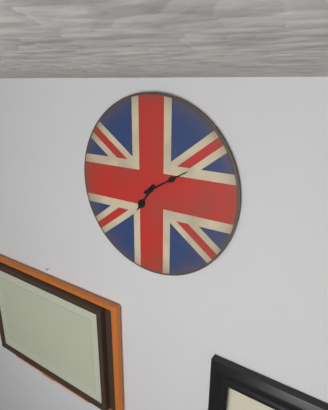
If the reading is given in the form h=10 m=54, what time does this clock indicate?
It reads h=7 m=10
